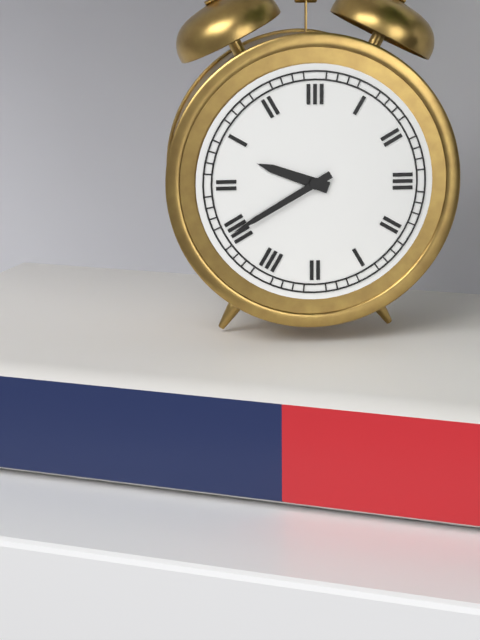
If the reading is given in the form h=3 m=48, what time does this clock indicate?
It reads h=9 m=40
